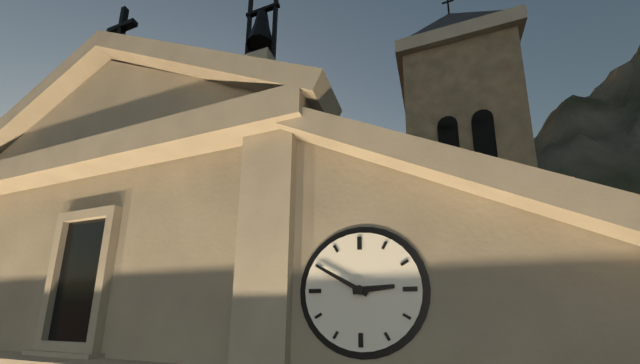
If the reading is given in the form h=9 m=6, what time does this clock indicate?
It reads h=2 m=50
